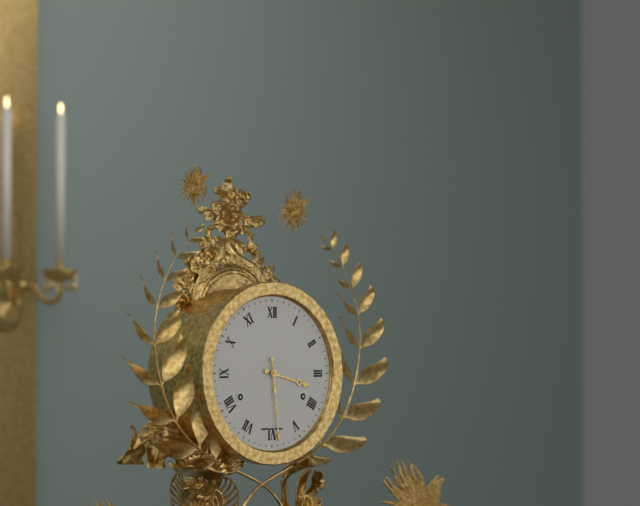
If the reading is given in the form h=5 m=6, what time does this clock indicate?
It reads h=3 m=29
